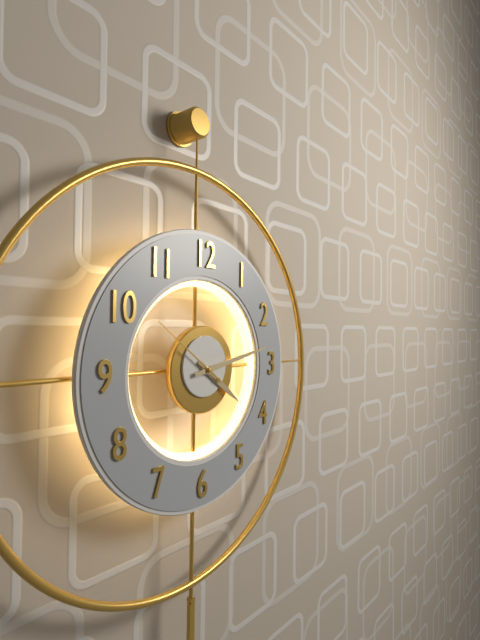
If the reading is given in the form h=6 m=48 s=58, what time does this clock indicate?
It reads h=4 m=13 s=51
